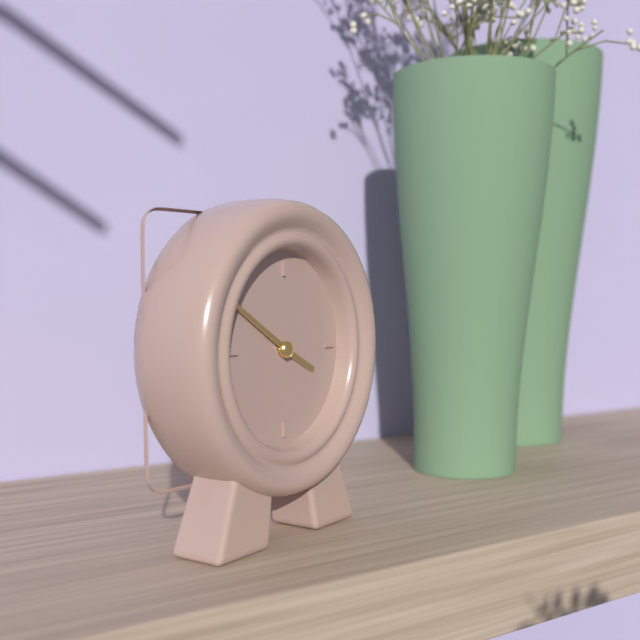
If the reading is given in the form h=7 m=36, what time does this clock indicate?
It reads h=3 m=50
